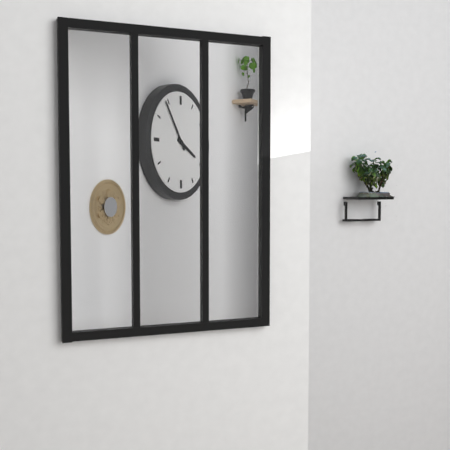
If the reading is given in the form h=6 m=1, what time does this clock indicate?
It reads h=3 m=54
